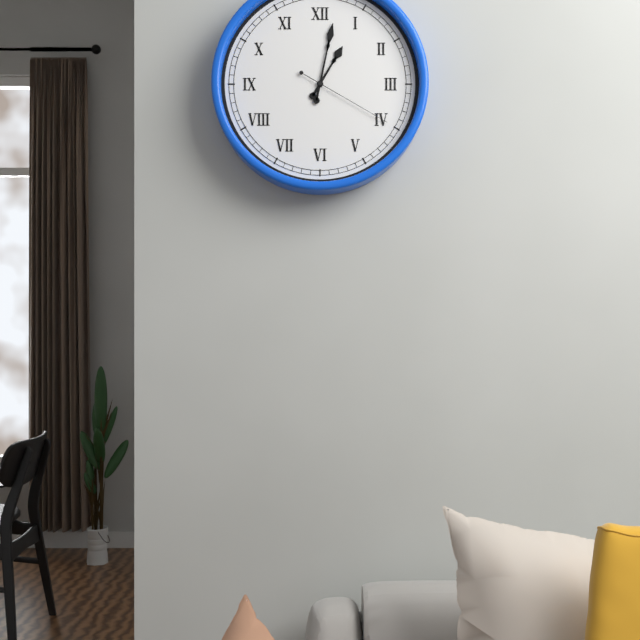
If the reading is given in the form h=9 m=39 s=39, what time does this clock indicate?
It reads h=1 m=2 s=20
